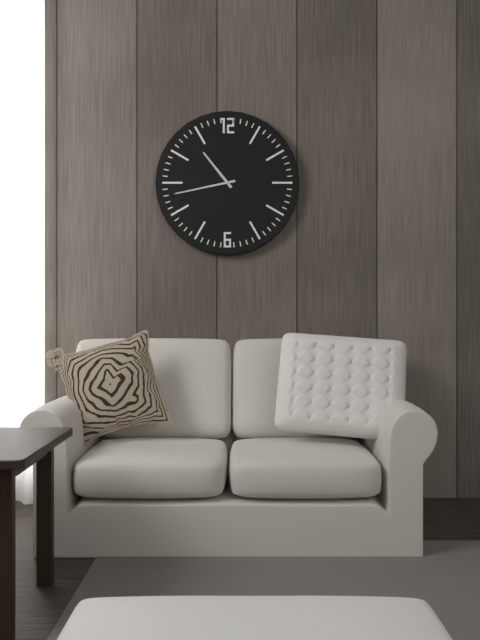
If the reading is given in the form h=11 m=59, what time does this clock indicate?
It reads h=10 m=43
